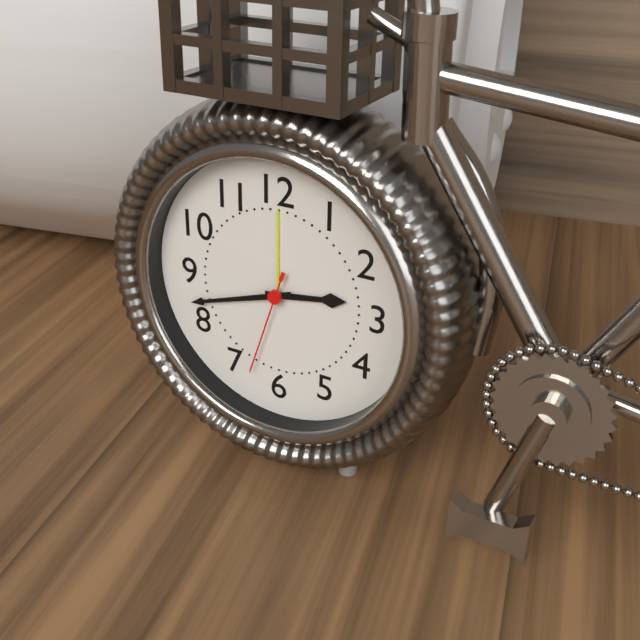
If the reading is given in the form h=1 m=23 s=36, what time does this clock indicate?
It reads h=2 m=42 s=33
